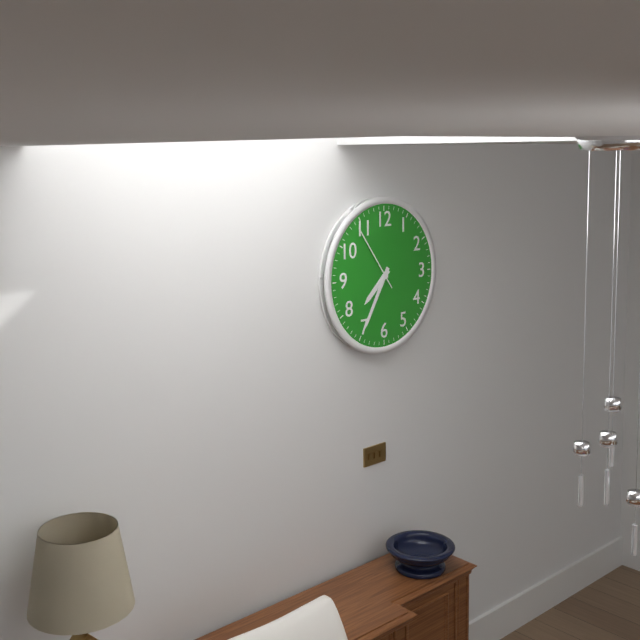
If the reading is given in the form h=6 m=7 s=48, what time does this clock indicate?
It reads h=7 m=35 s=54
